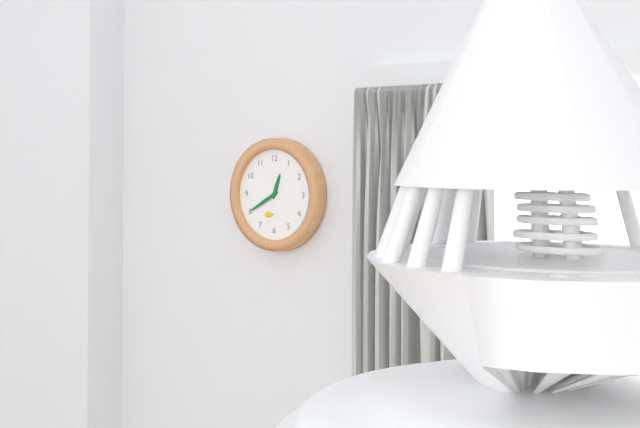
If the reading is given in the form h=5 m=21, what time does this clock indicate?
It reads h=12 m=40
